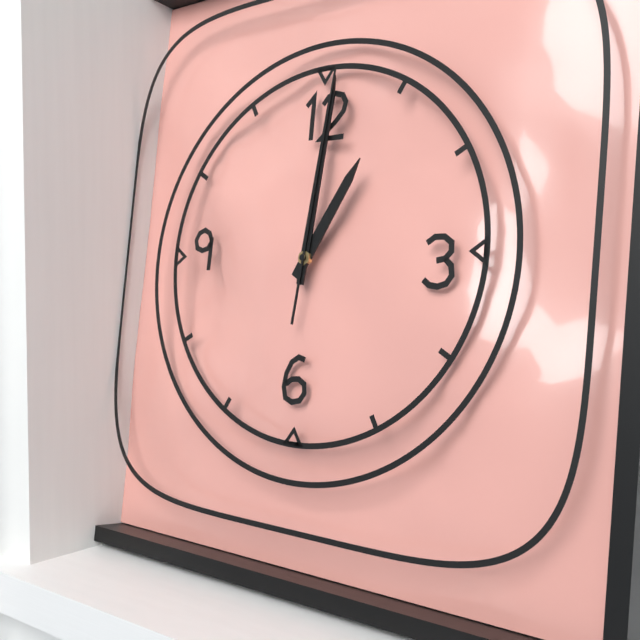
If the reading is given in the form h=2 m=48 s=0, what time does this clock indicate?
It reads h=1 m=1 s=1
